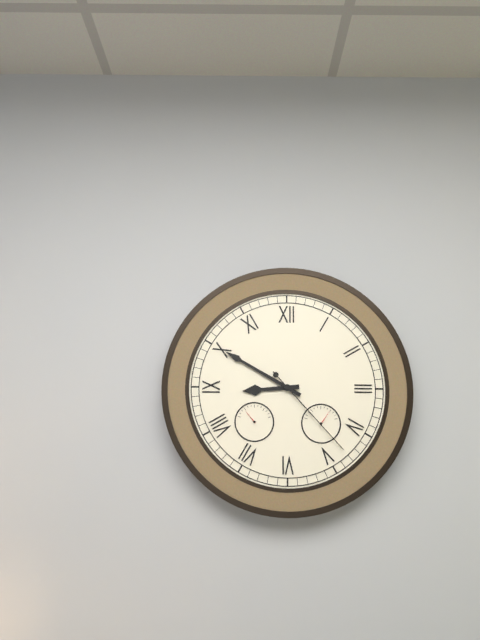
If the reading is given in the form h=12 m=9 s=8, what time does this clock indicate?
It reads h=8 m=50 s=23
